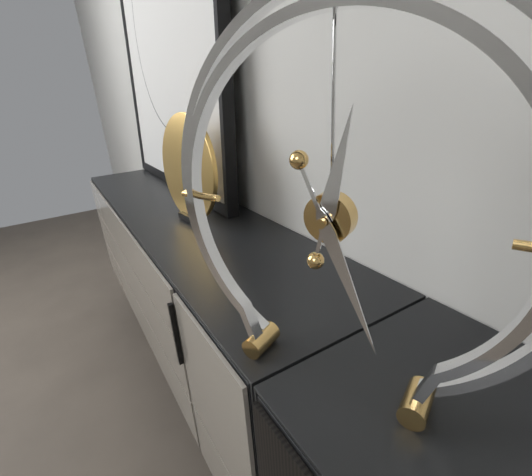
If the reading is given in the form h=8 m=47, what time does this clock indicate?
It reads h=12 m=26
